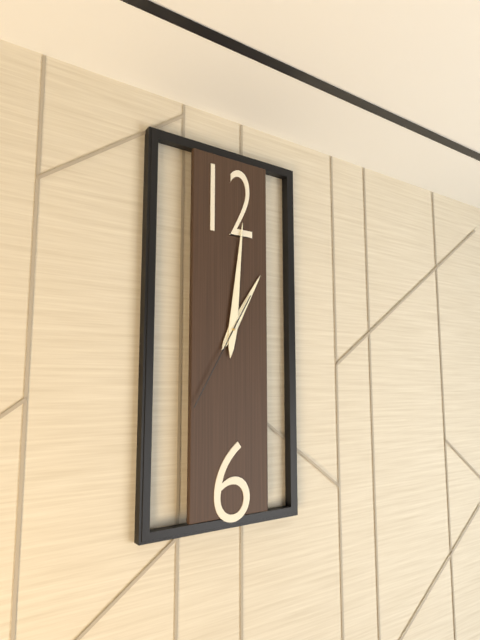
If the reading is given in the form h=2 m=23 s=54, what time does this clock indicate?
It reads h=1 m=1 s=35
